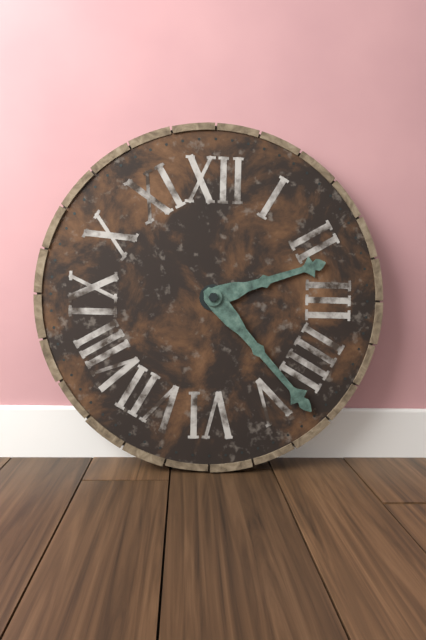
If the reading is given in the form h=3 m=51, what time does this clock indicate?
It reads h=2 m=23
